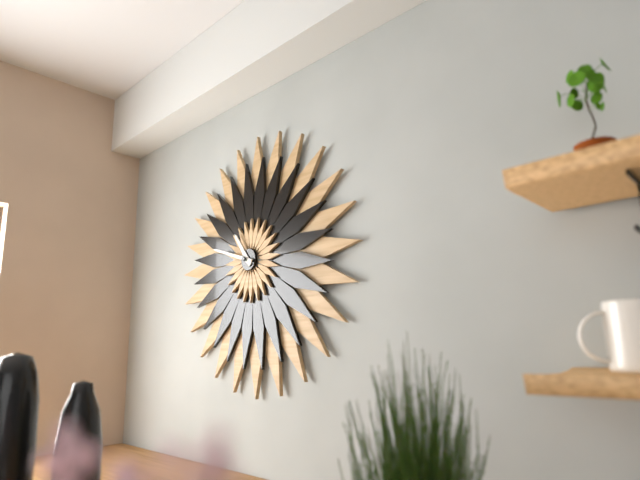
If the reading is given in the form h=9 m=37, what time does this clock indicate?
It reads h=10 m=48
